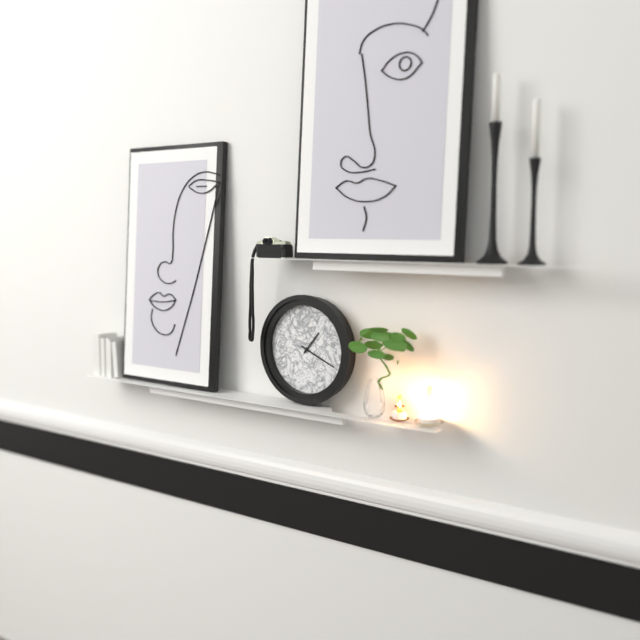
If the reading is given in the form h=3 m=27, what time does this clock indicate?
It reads h=1 m=19
